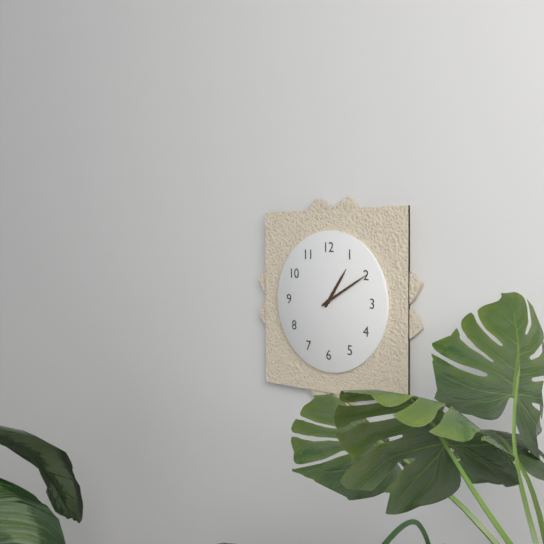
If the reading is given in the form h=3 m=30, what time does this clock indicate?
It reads h=1 m=10
